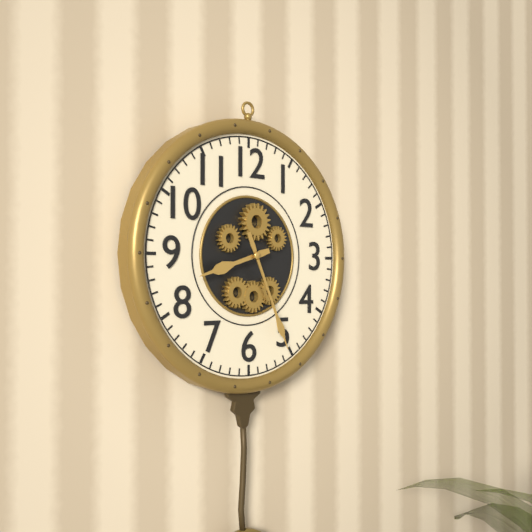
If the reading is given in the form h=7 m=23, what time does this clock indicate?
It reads h=8 m=26
